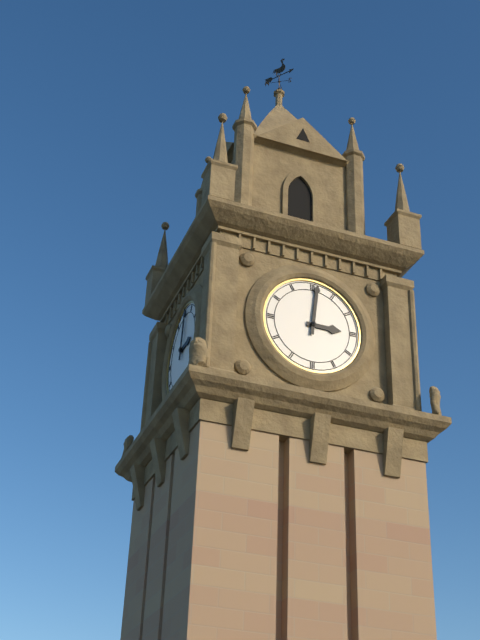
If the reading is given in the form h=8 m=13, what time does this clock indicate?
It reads h=3 m=1
